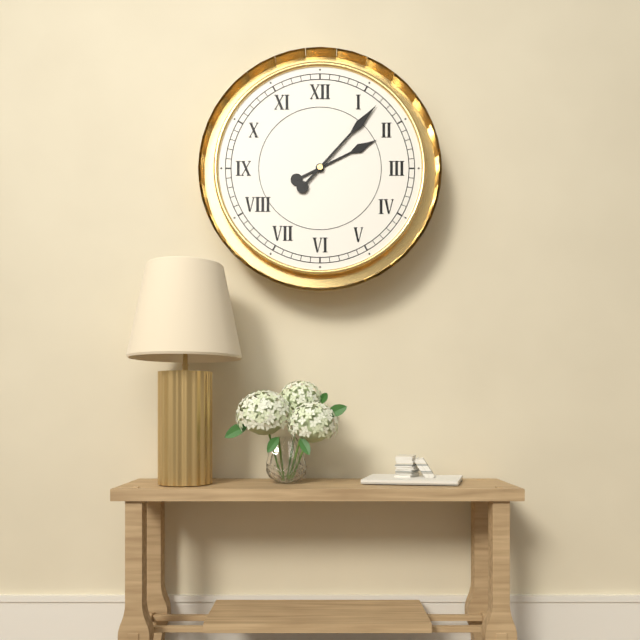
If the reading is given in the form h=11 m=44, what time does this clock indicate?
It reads h=2 m=7
